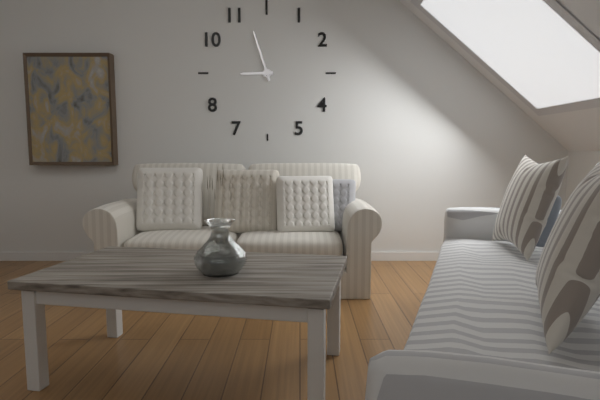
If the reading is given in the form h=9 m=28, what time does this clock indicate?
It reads h=8 m=57
